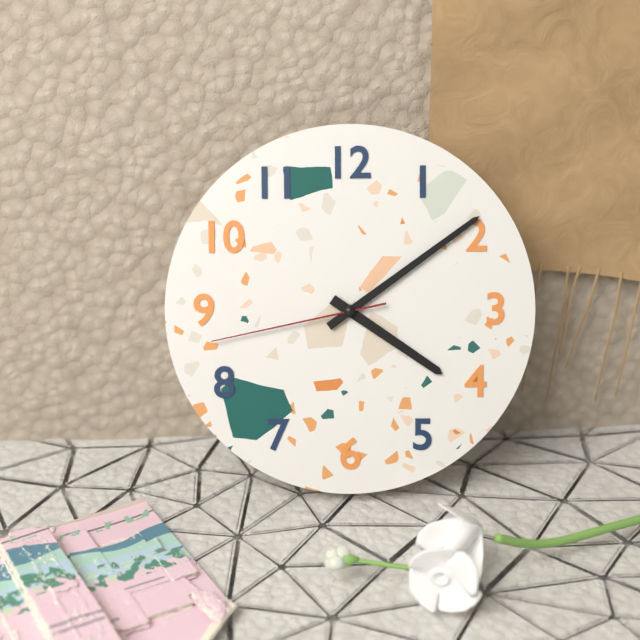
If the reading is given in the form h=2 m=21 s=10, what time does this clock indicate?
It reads h=4 m=9 s=43
